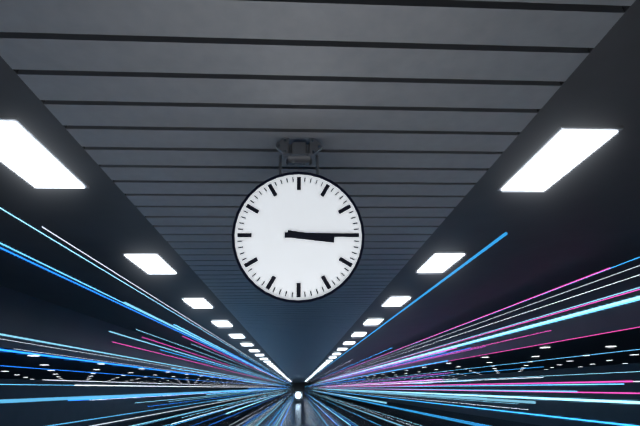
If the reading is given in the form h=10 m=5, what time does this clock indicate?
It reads h=3 m=15
